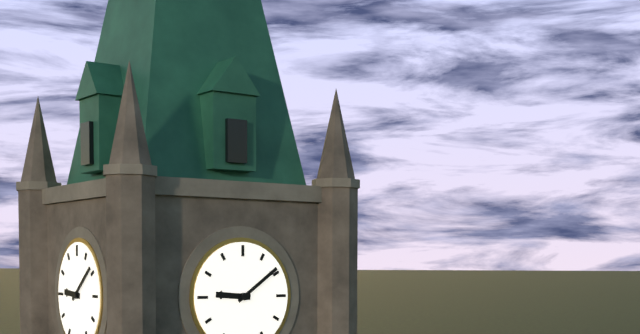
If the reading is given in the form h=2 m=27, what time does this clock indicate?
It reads h=9 m=9
